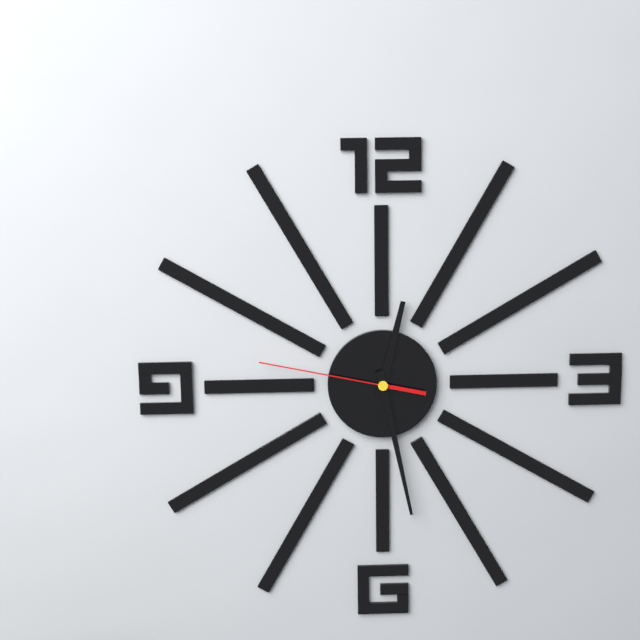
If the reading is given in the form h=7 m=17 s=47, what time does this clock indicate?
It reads h=12 m=28 s=47
